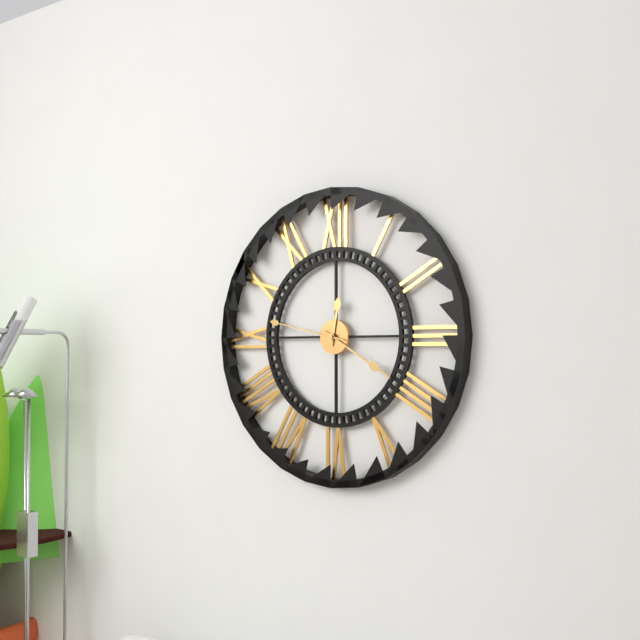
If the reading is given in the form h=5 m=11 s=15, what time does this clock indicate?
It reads h=12 m=20 s=47
